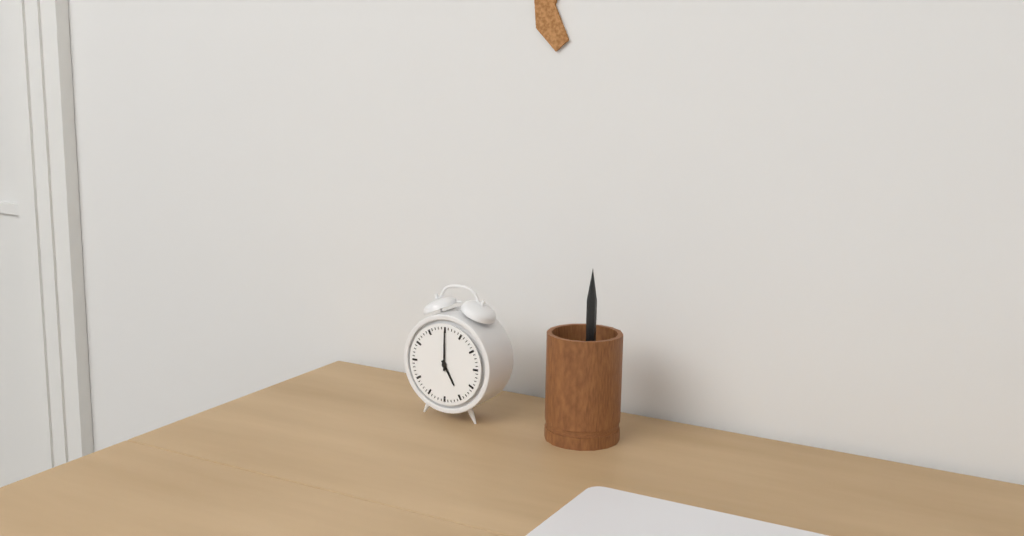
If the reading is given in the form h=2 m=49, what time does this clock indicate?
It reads h=5 m=0
